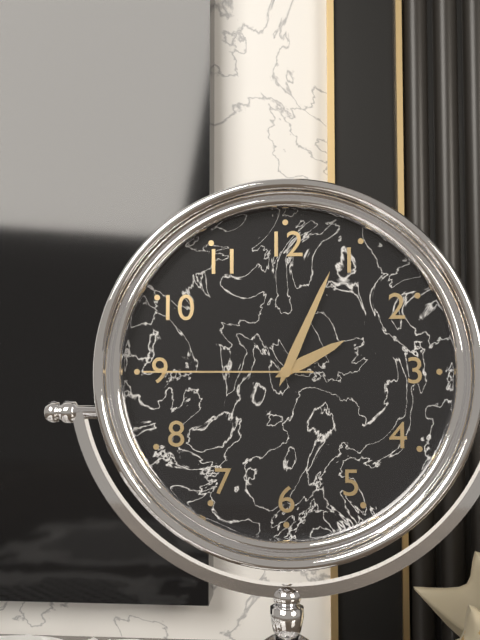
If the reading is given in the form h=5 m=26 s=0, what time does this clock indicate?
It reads h=2 m=4 s=45
